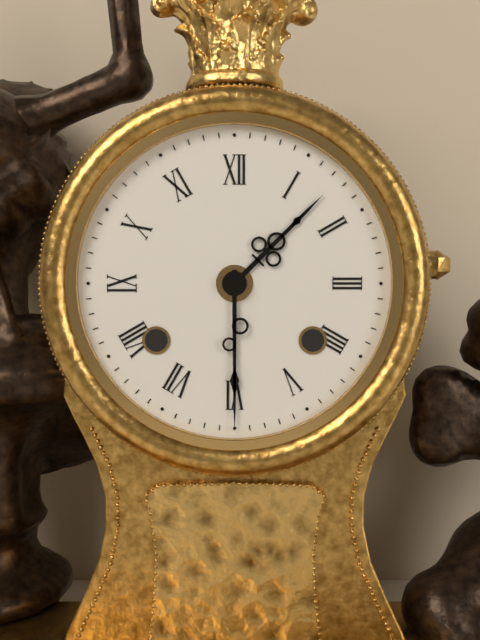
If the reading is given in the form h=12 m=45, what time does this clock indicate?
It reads h=1 m=30
